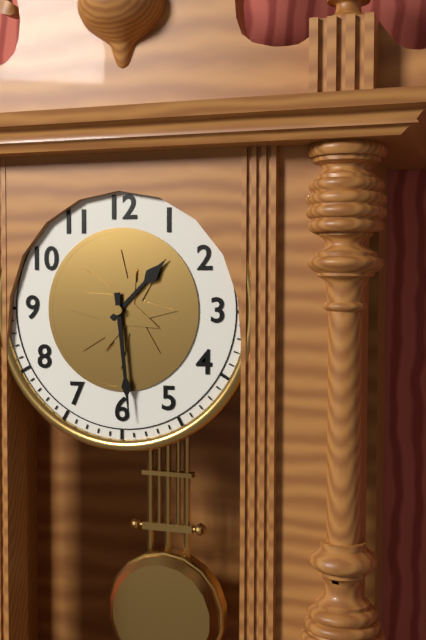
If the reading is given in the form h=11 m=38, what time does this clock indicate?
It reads h=1 m=29
